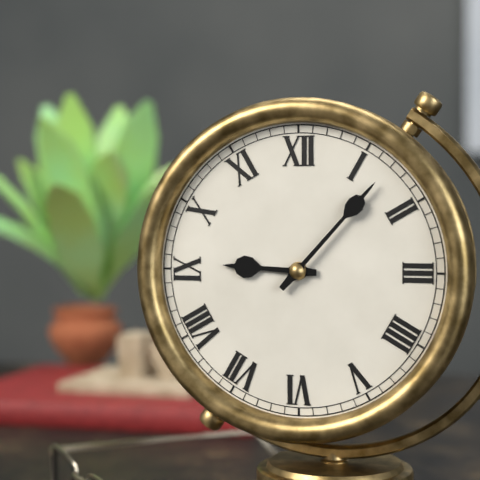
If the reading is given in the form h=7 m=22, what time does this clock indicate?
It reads h=9 m=7
